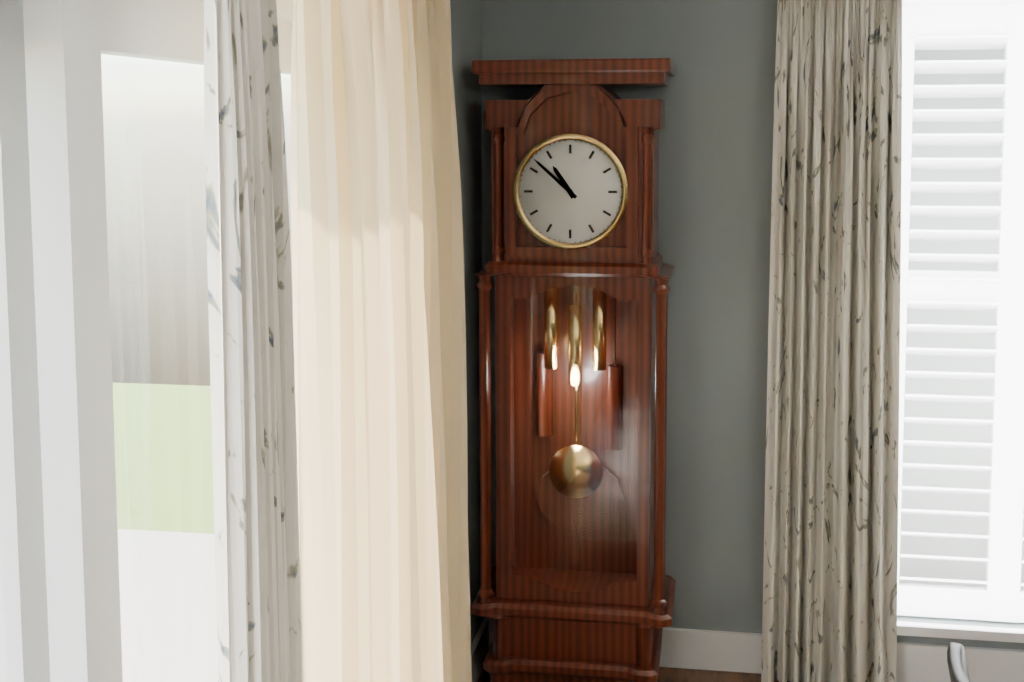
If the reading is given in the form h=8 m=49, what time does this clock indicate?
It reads h=10 m=52
